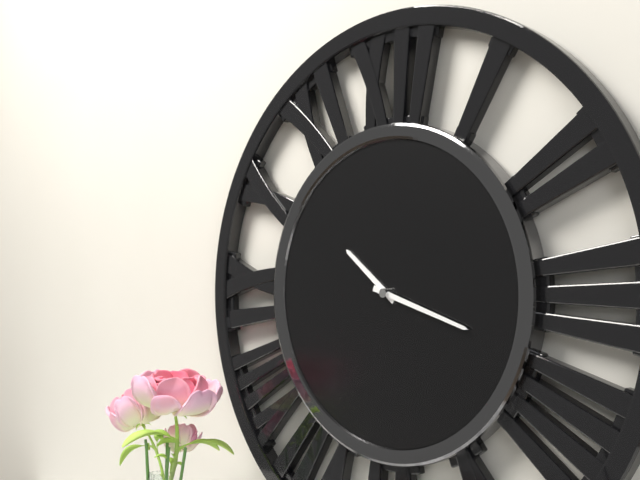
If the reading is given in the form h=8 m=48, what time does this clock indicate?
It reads h=10 m=18
